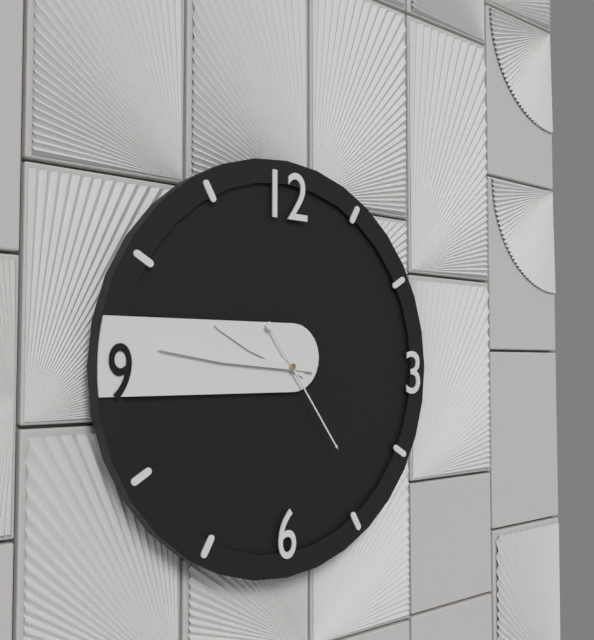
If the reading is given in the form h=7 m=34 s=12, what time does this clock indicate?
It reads h=9 m=46 s=24
